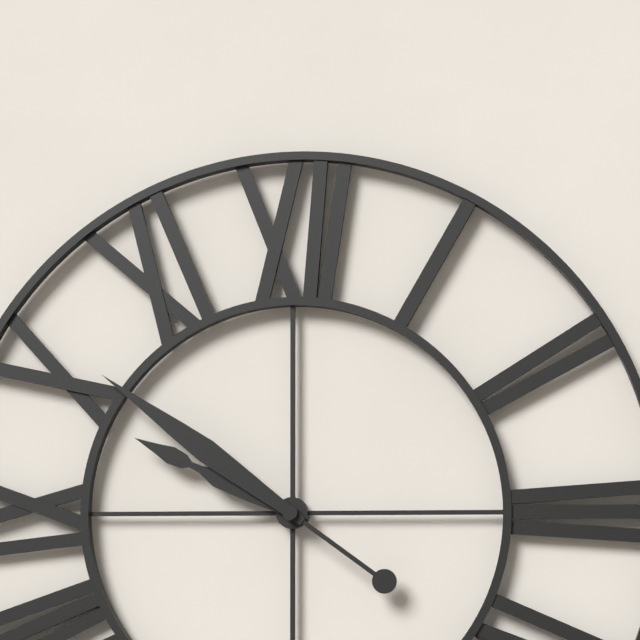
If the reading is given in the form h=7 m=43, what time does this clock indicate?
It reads h=9 m=51
